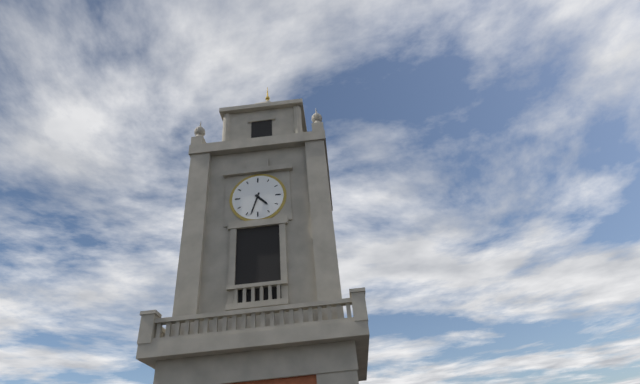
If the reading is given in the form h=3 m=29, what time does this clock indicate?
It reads h=4 m=33
